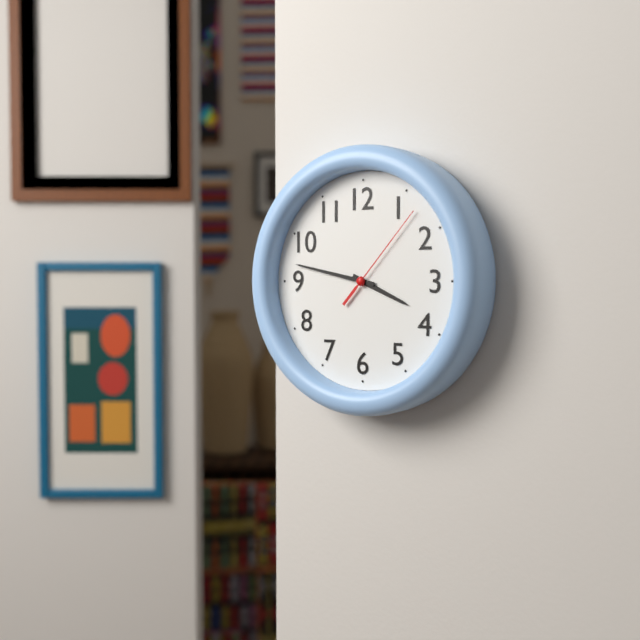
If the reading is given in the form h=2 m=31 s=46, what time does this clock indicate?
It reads h=3 m=47 s=7
